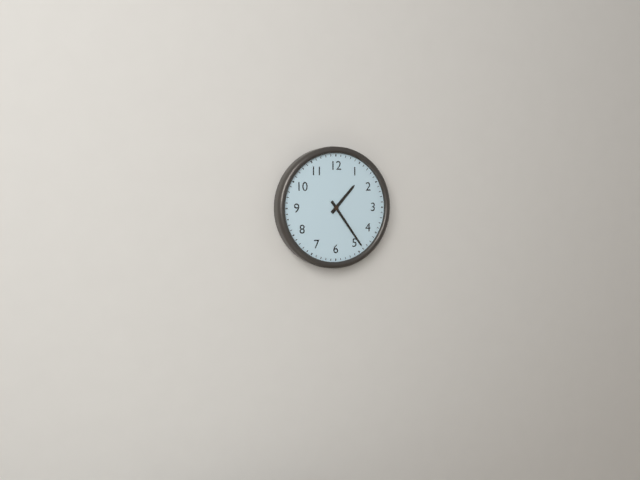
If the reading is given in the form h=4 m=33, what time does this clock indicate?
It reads h=1 m=24
